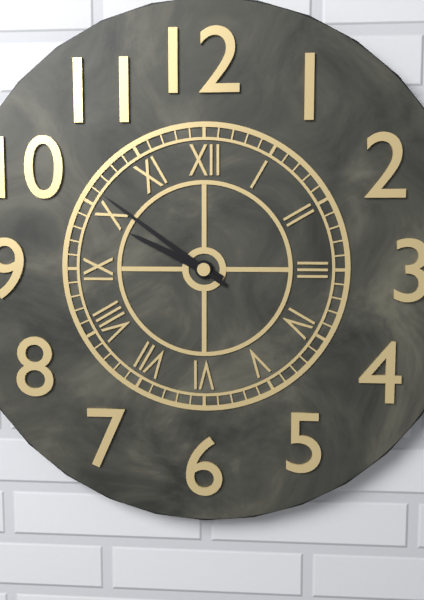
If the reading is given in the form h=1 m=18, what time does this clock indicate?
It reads h=9 m=51
